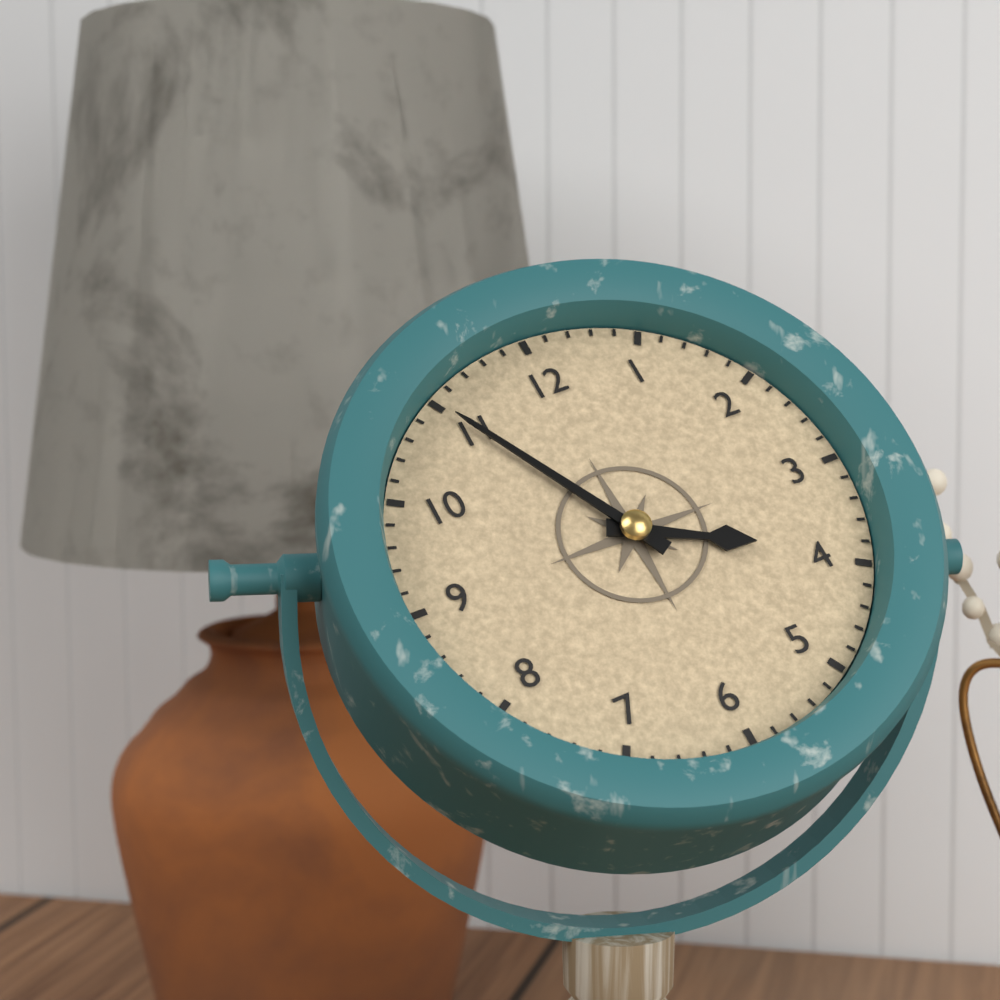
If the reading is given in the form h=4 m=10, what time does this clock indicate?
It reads h=3 m=55
